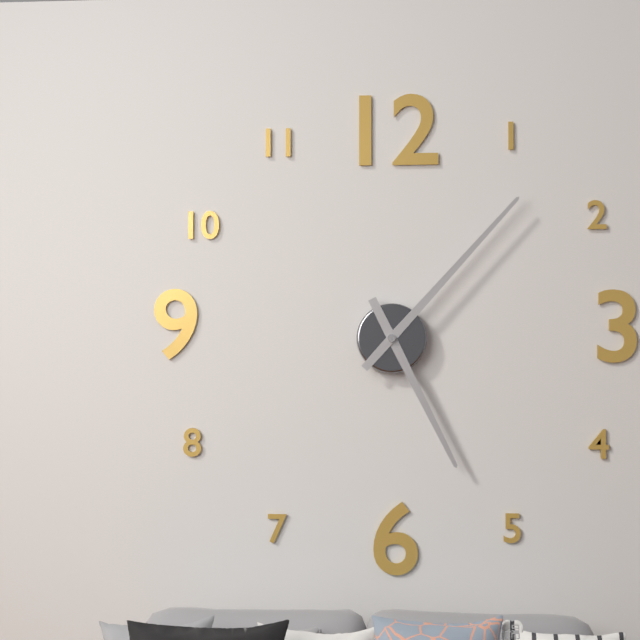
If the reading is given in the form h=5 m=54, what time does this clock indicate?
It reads h=5 m=7
